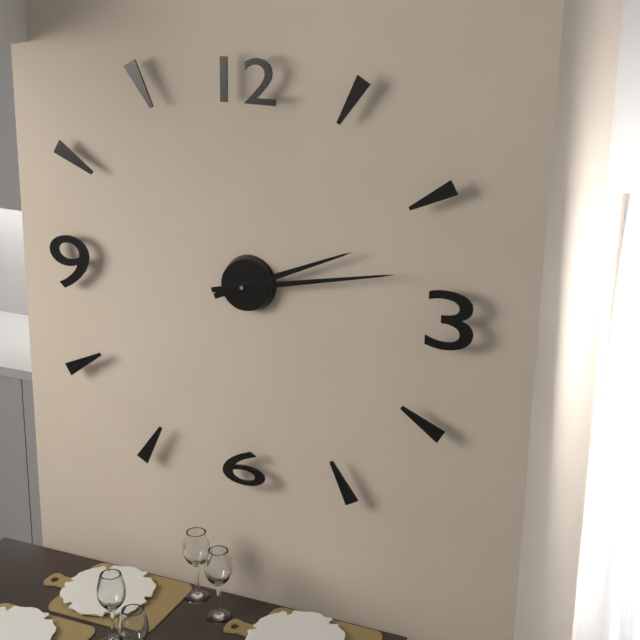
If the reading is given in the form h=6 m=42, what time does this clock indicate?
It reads h=2 m=13
